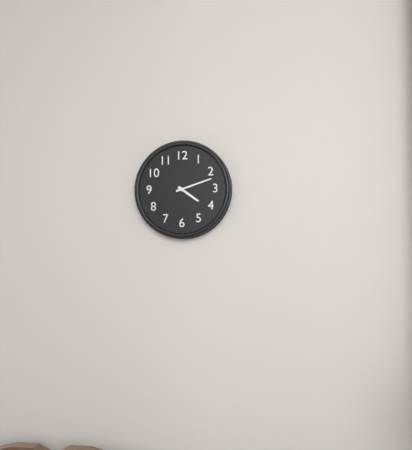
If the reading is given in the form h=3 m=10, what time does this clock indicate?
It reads h=4 m=12
